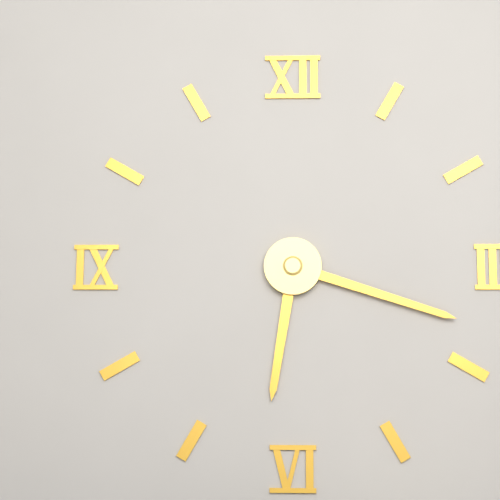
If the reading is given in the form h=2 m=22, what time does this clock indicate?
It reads h=6 m=18
